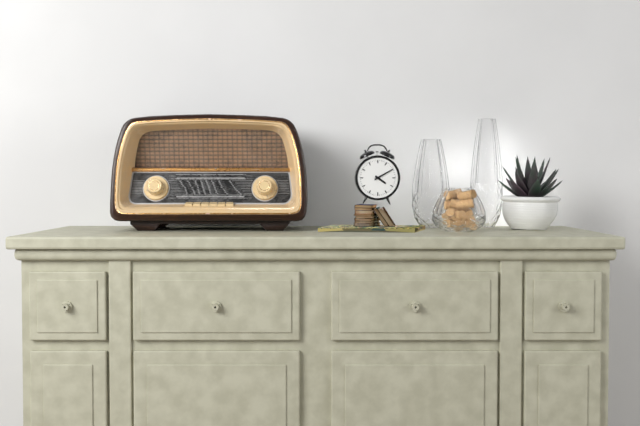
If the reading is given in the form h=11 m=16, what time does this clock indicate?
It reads h=4 m=10
